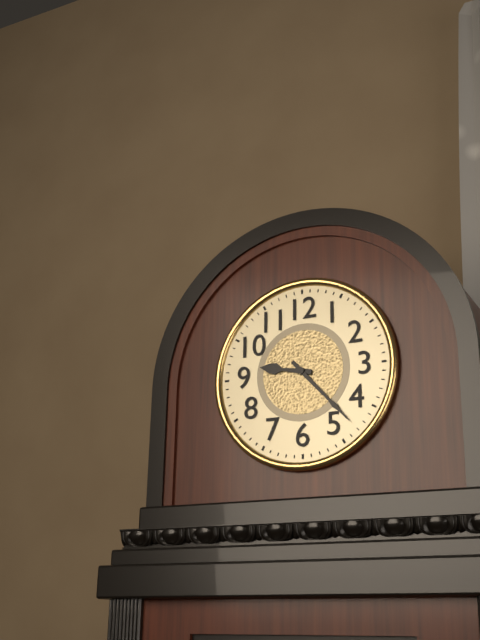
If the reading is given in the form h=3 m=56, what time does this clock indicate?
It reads h=9 m=23
